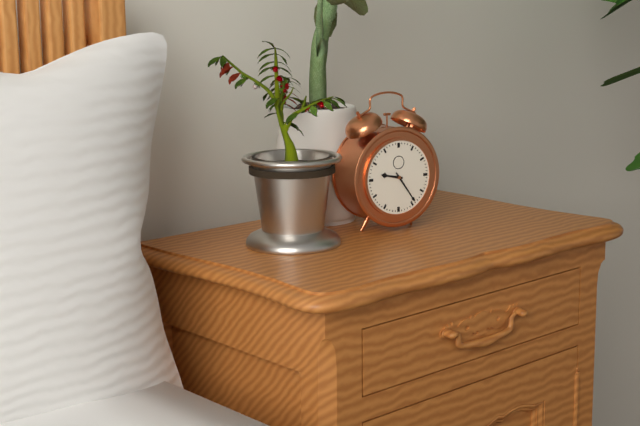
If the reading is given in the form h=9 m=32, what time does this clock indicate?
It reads h=9 m=24
